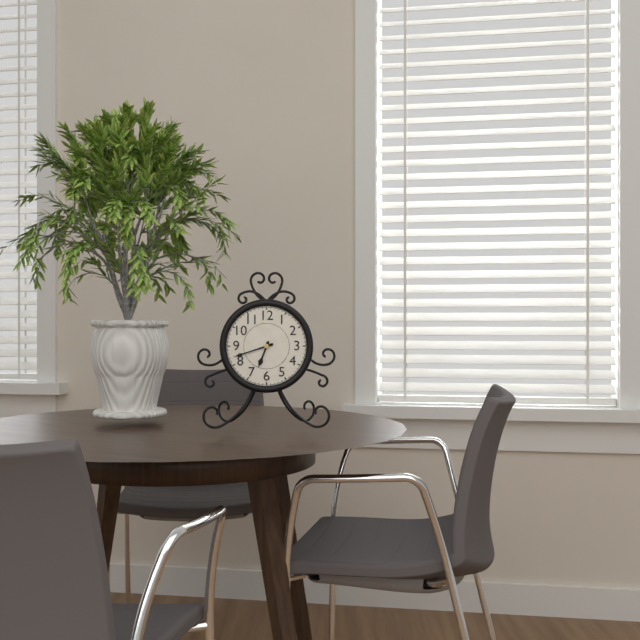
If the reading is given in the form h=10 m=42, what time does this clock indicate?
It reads h=6 m=42
